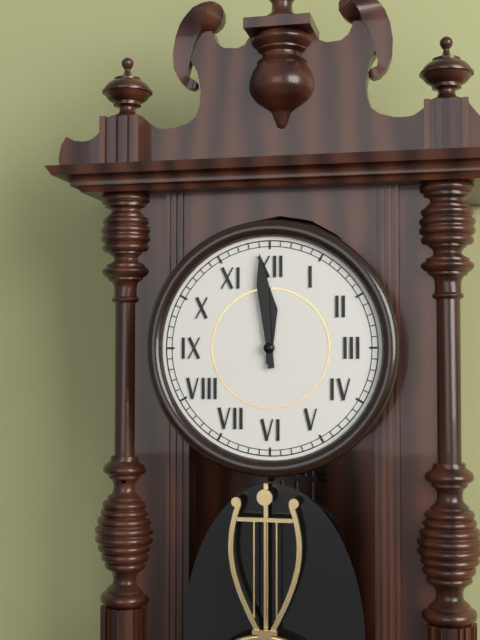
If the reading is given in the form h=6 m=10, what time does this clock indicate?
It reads h=11 m=59
